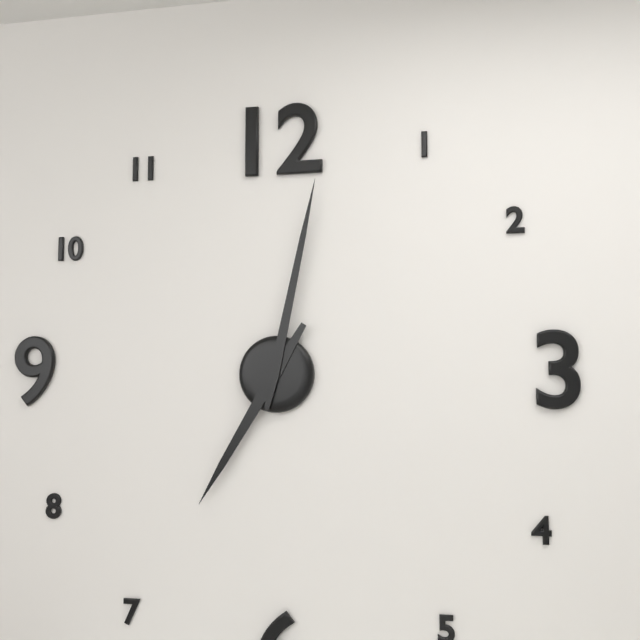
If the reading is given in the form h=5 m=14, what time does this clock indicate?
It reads h=7 m=2
